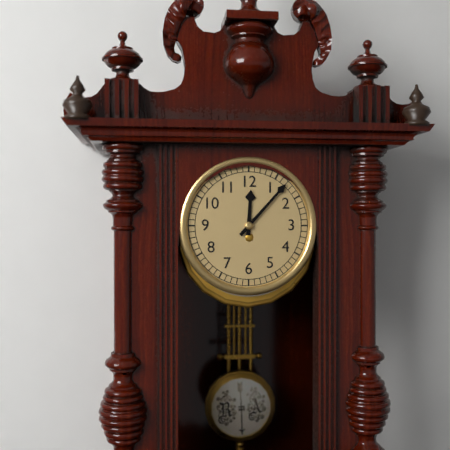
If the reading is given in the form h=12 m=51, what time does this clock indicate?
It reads h=12 m=7
